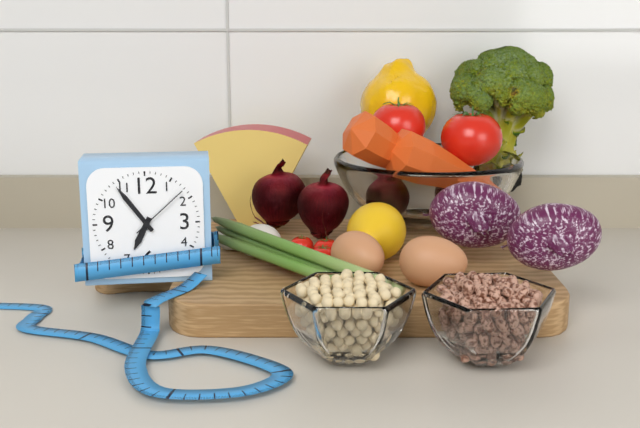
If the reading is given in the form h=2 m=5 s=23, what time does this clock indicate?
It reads h=6 m=54 s=8
